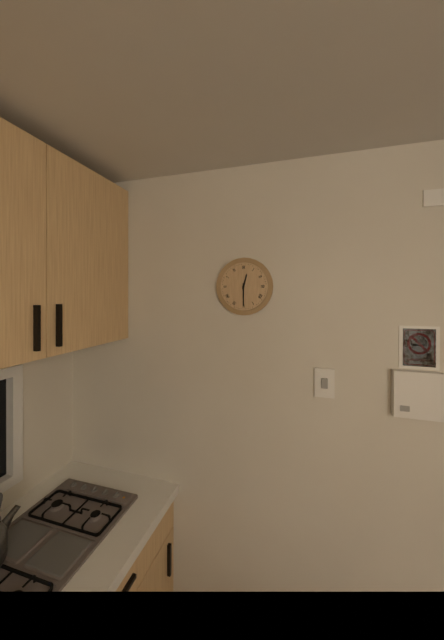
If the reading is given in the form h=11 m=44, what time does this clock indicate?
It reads h=12 m=30
